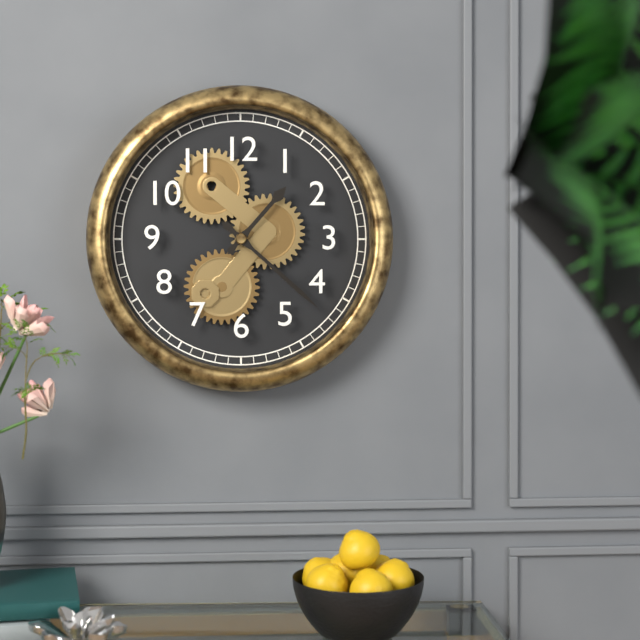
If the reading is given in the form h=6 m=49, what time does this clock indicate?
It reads h=1 m=22
